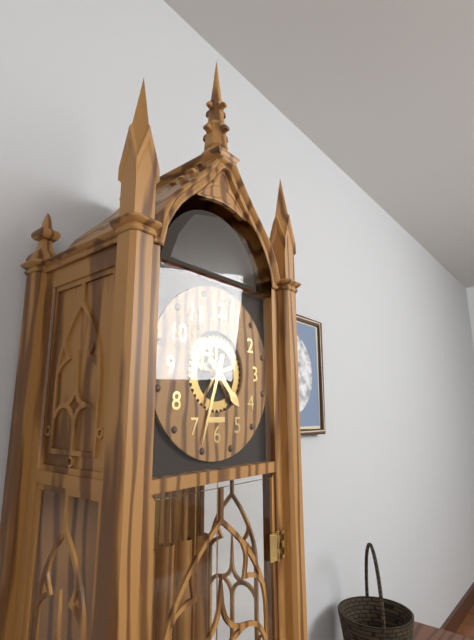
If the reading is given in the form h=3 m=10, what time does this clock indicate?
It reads h=4 m=33
